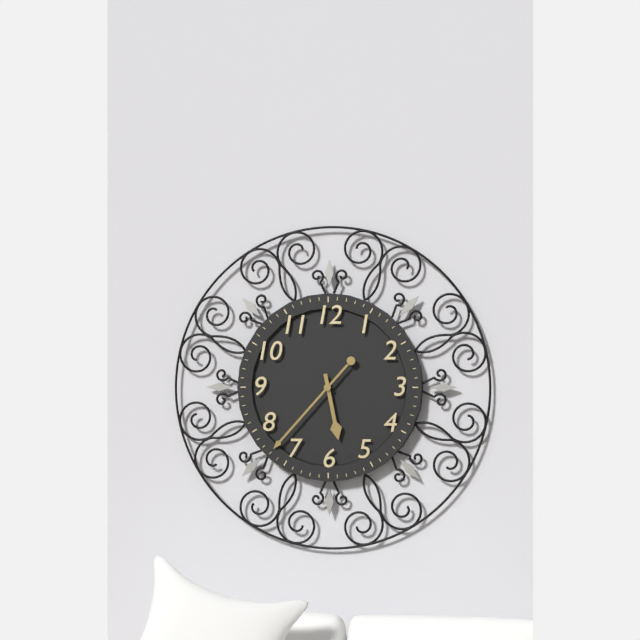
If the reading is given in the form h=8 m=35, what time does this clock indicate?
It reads h=5 m=37
